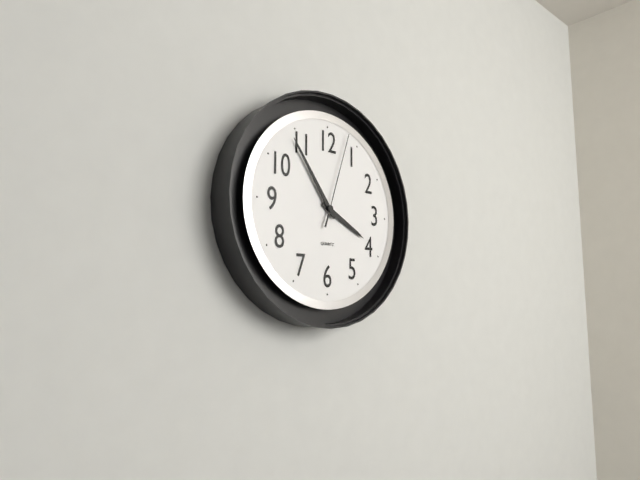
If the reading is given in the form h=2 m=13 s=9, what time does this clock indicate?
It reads h=3 m=54 s=3
